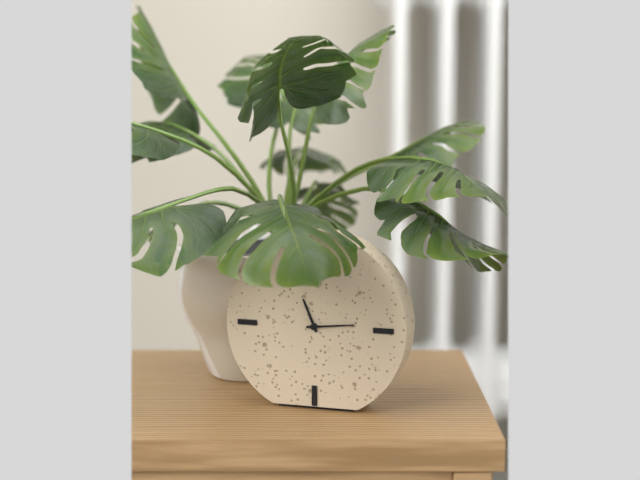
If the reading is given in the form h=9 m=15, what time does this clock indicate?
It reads h=11 m=14
